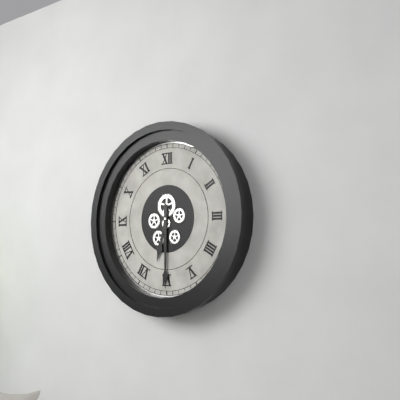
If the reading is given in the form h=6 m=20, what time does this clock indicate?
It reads h=6 m=30
